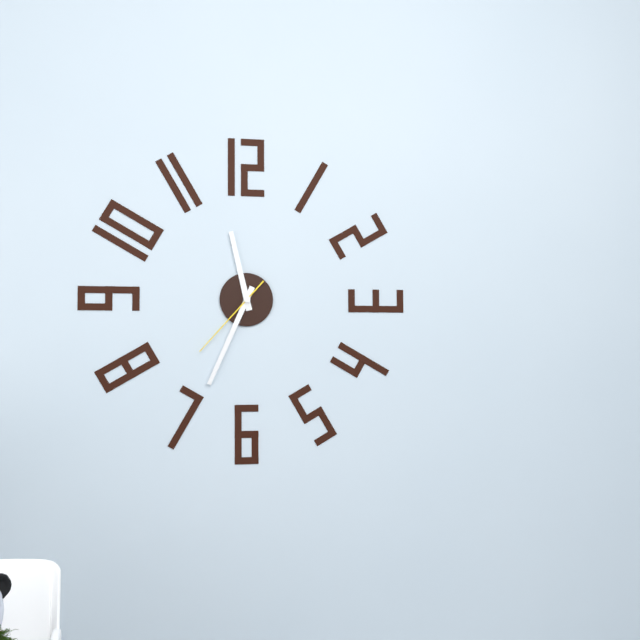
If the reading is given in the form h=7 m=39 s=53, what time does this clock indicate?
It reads h=11 m=34 s=37
